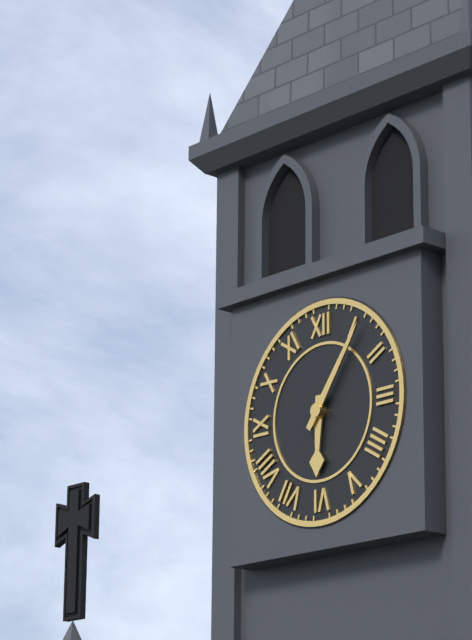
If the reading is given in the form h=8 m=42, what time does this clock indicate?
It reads h=6 m=6
